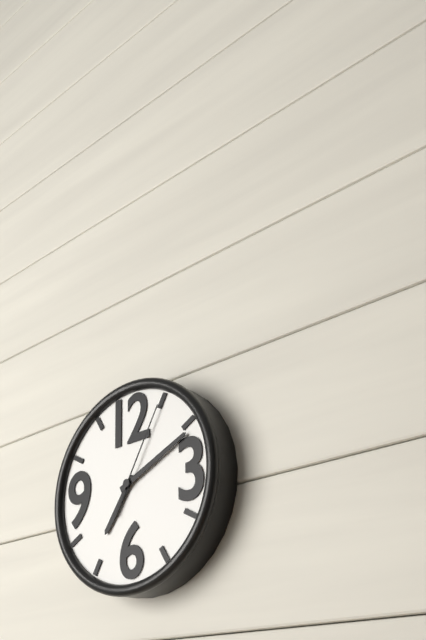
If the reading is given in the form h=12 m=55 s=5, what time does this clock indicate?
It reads h=7 m=11 s=5
